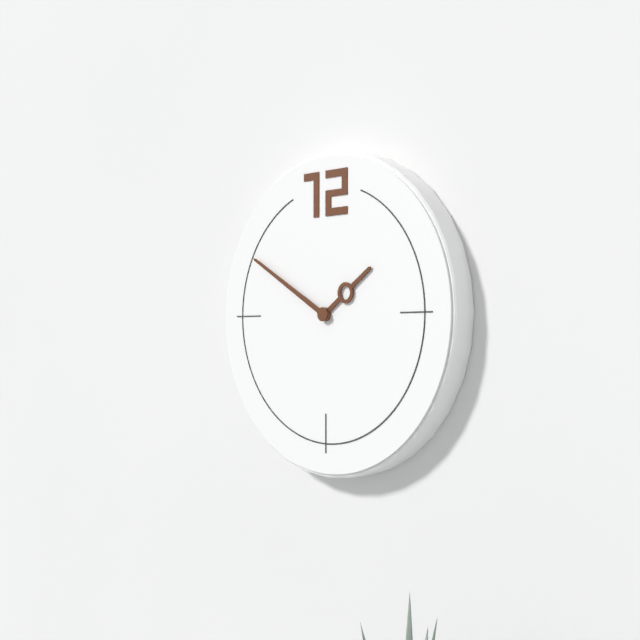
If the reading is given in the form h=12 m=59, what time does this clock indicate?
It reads h=1 m=50
